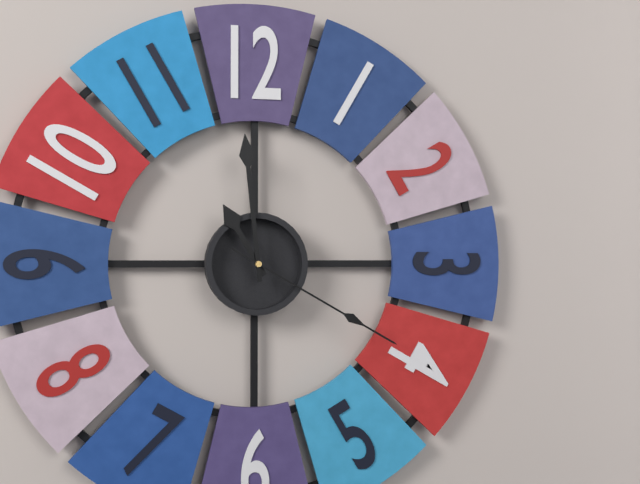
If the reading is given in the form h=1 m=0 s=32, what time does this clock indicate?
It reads h=10 m=59 s=20
